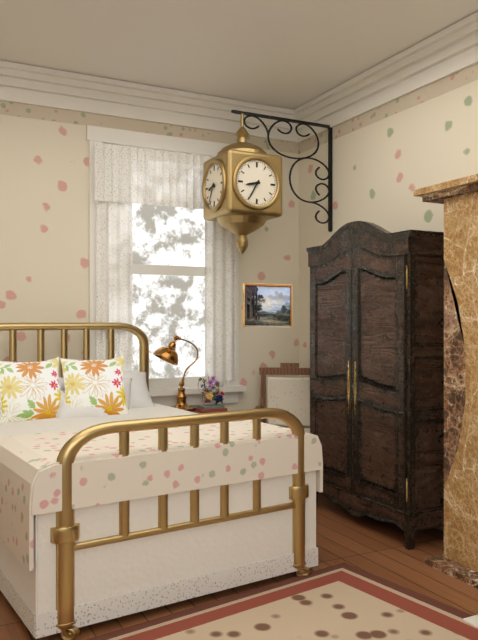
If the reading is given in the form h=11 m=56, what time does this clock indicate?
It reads h=8 m=35
